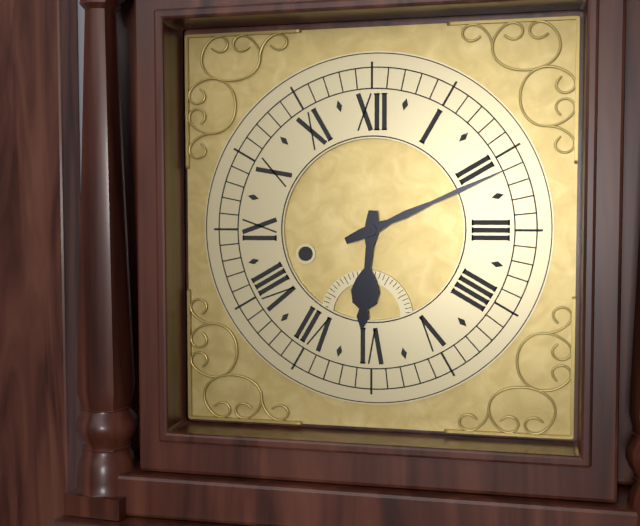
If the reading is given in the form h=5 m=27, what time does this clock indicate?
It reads h=6 m=11
